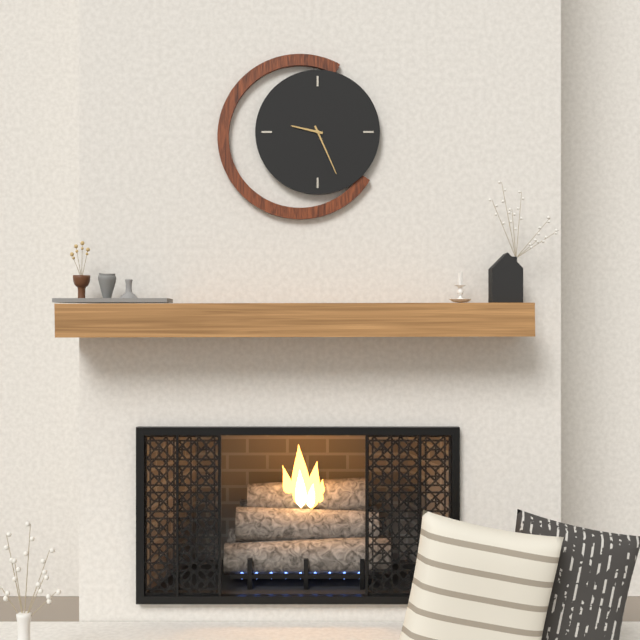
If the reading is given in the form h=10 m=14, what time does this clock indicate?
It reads h=9 m=26
